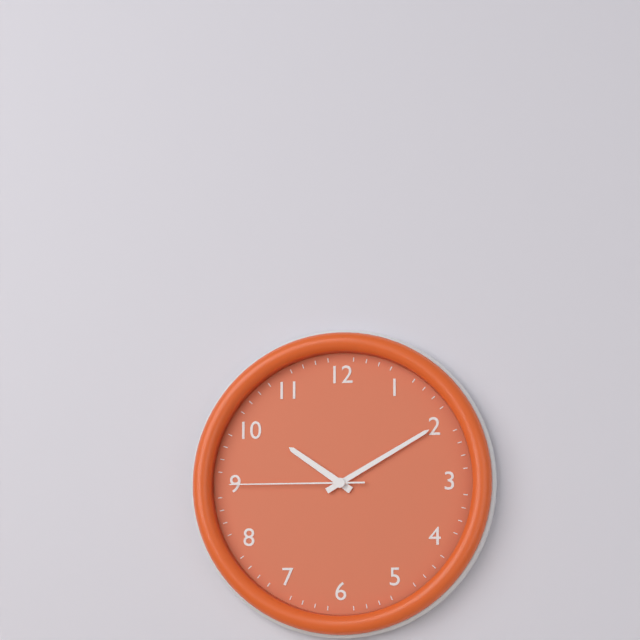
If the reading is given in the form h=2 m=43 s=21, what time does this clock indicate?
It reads h=10 m=10 s=45
